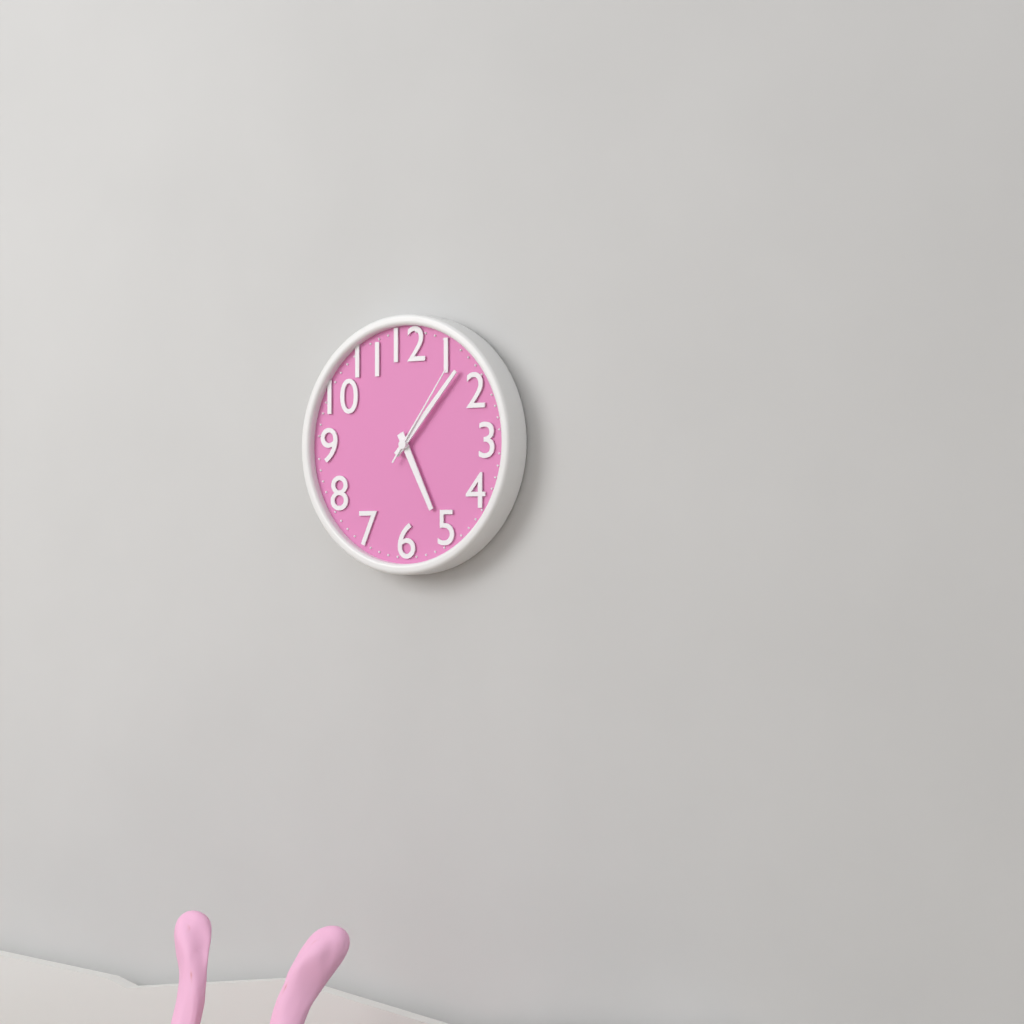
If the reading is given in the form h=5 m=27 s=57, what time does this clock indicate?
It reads h=5 m=7 s=6
